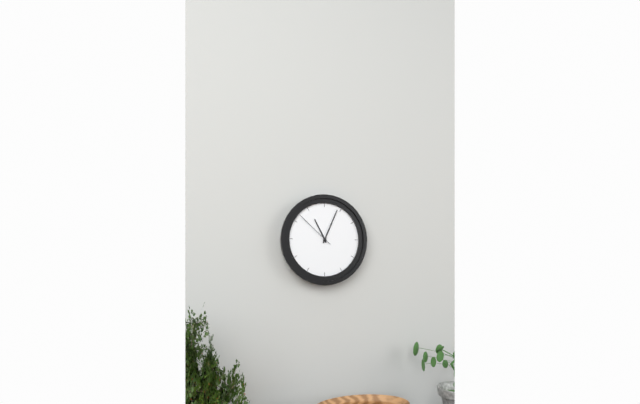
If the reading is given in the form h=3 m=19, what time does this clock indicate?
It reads h=11 m=4
